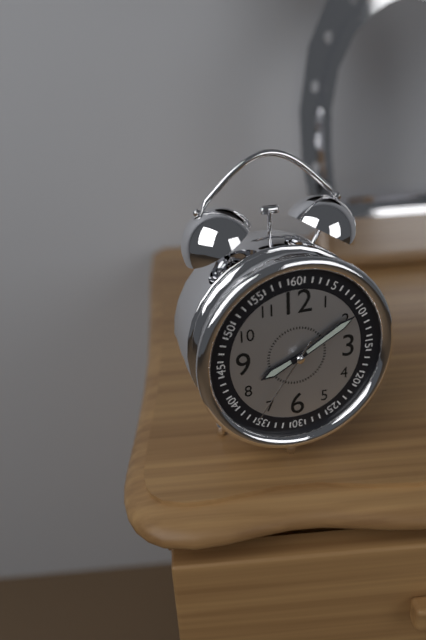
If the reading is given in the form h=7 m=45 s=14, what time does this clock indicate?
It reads h=8 m=10 s=36
